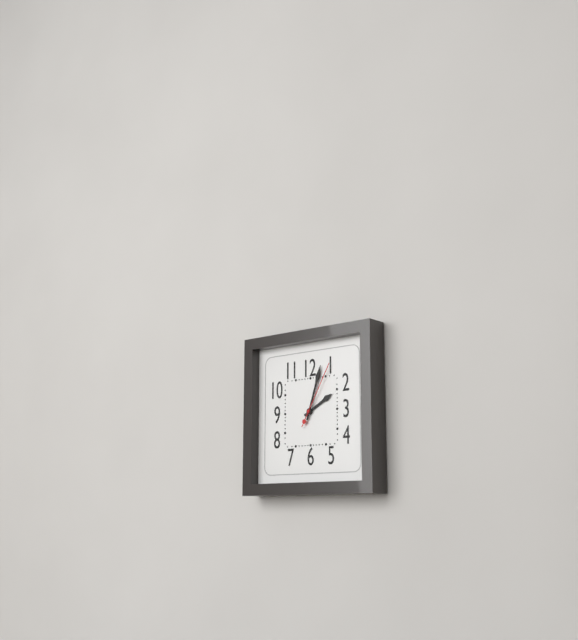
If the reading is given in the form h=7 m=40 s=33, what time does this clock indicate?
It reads h=2 m=3 s=5
